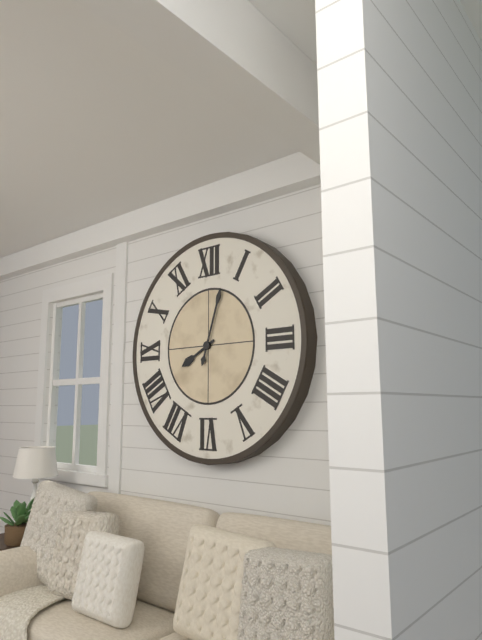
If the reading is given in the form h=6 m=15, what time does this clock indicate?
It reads h=8 m=3
